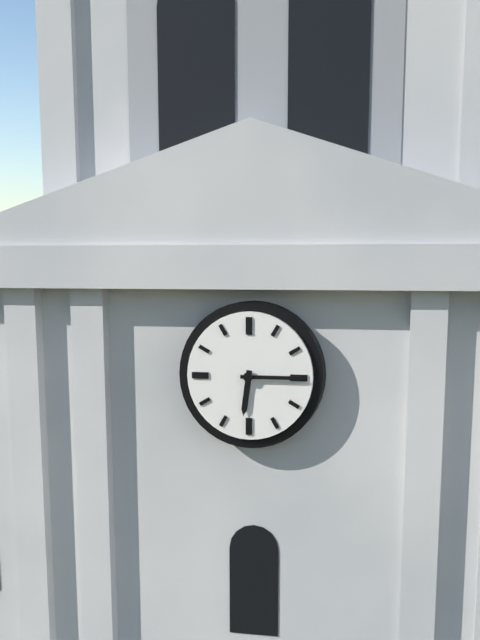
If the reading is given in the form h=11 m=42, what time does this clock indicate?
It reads h=6 m=15
